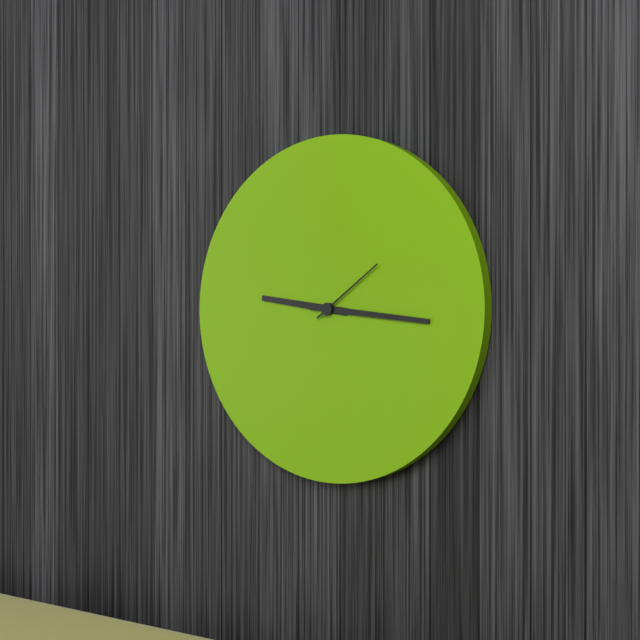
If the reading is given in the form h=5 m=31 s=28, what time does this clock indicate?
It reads h=9 m=16 s=9
